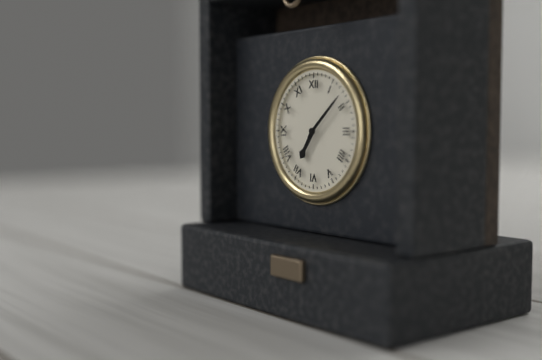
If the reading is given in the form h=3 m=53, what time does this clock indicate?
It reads h=7 m=8
